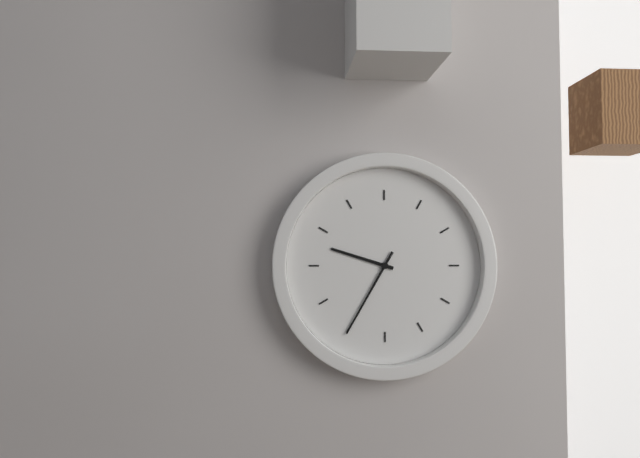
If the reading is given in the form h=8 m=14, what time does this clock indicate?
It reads h=9 m=35
